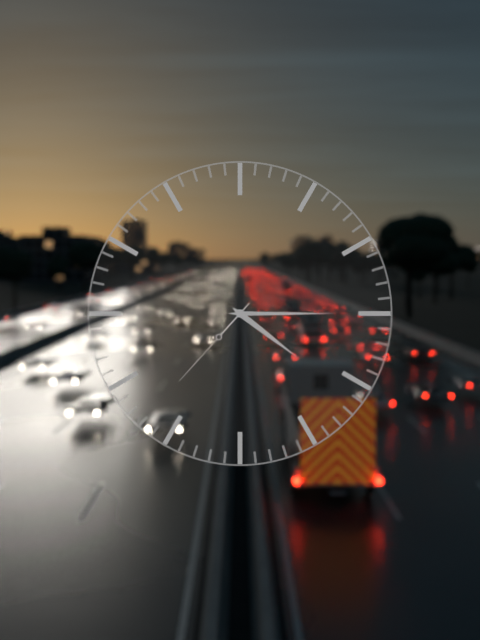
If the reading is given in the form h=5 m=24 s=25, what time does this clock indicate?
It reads h=4 m=15 s=37
